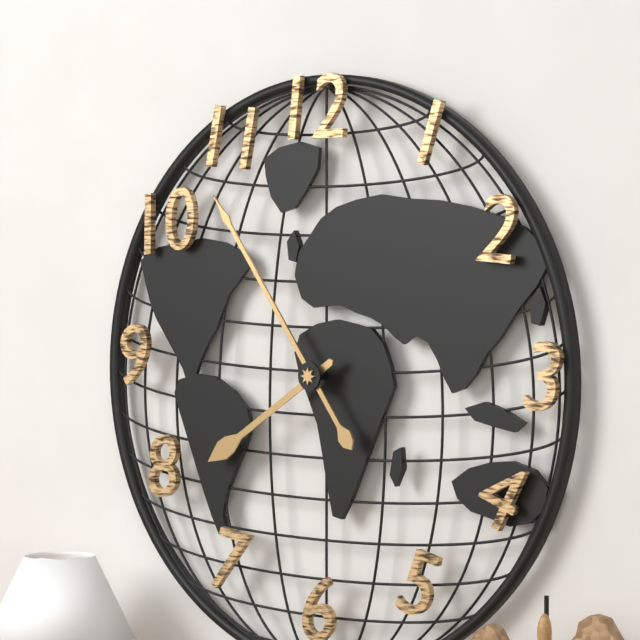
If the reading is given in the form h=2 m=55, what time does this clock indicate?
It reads h=7 m=54
